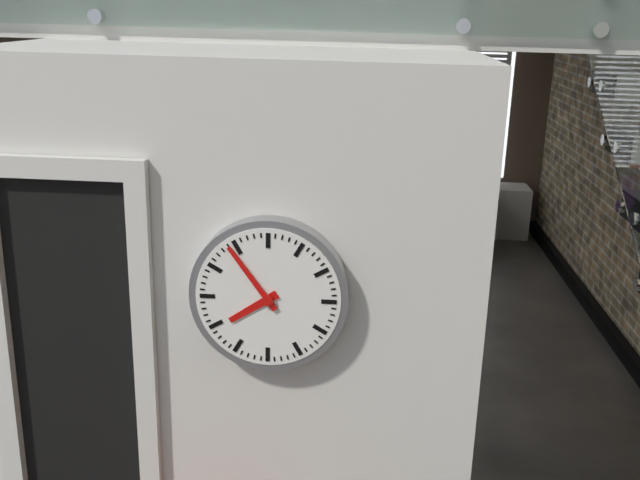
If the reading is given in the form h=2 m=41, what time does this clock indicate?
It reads h=7 m=54
